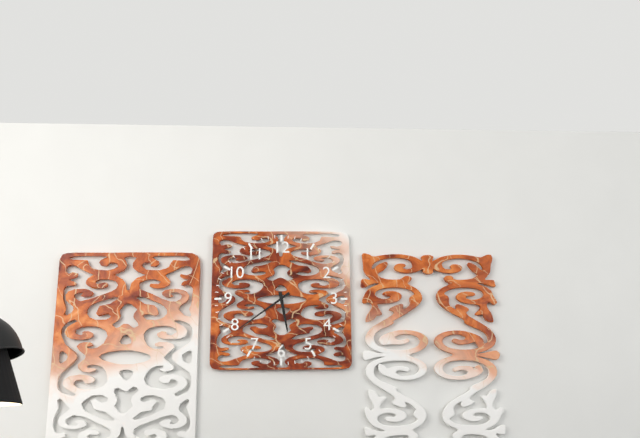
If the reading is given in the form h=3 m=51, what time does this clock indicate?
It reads h=5 m=39
